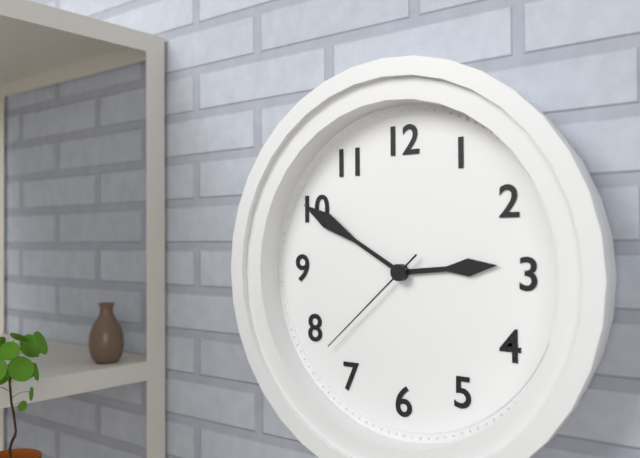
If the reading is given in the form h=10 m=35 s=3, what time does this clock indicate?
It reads h=2 m=50 s=38
